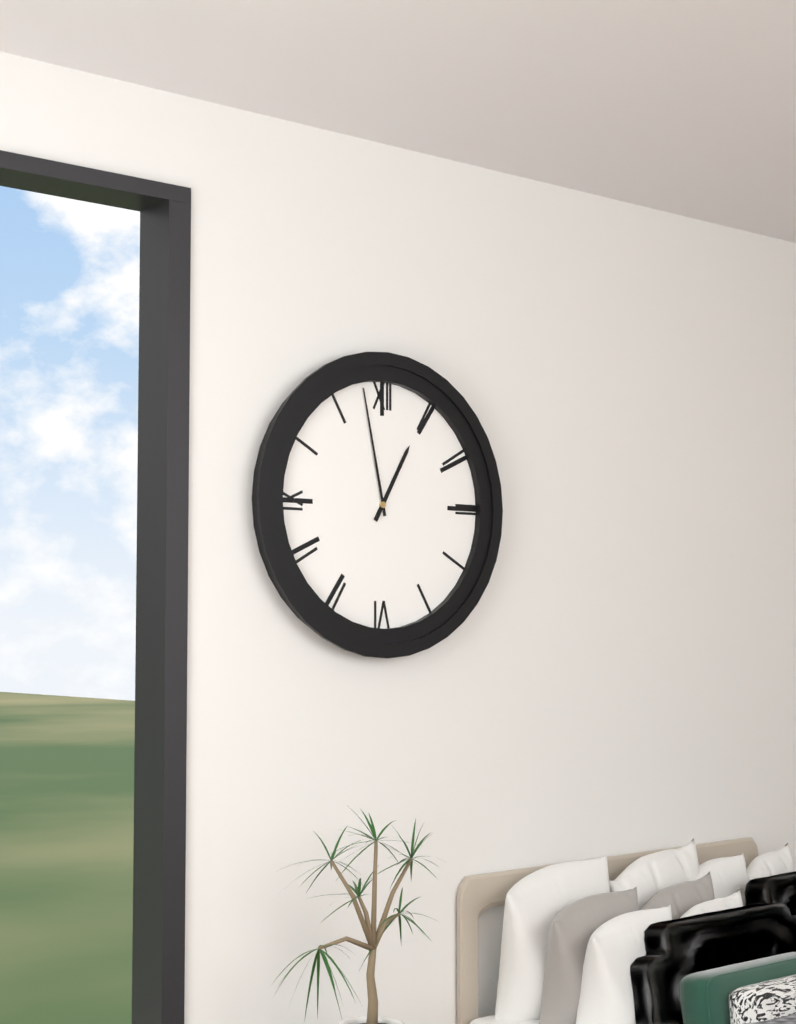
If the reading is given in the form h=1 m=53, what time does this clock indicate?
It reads h=12 m=58
